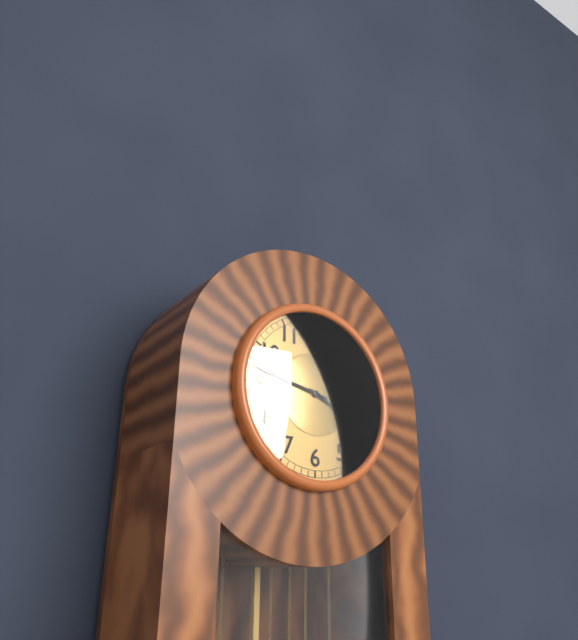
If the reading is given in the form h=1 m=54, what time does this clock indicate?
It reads h=3 m=47
